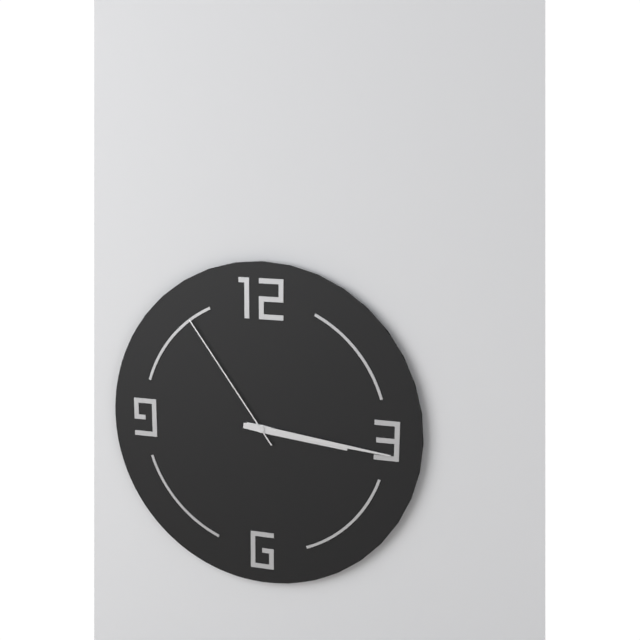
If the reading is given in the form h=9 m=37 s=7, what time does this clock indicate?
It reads h=3 m=16 s=54
